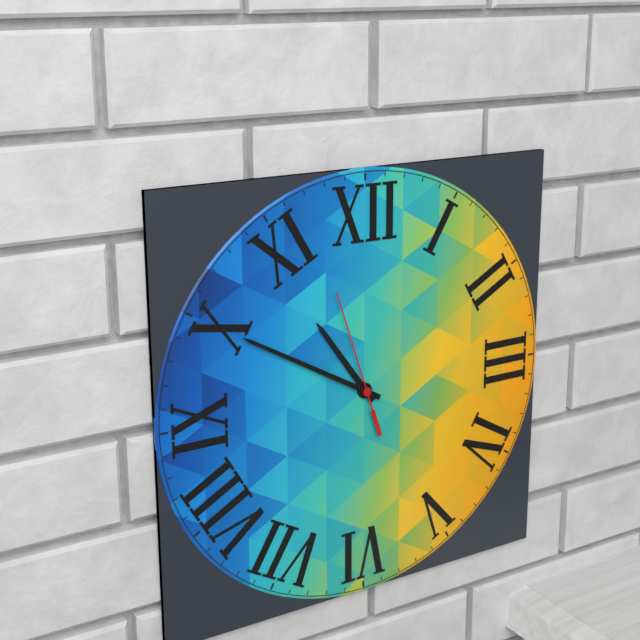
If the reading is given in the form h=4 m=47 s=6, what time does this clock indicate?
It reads h=10 m=50 s=57
